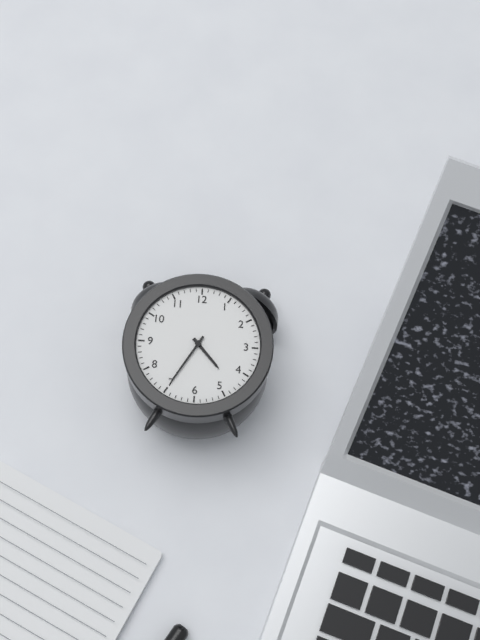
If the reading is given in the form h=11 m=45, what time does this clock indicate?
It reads h=4 m=35
